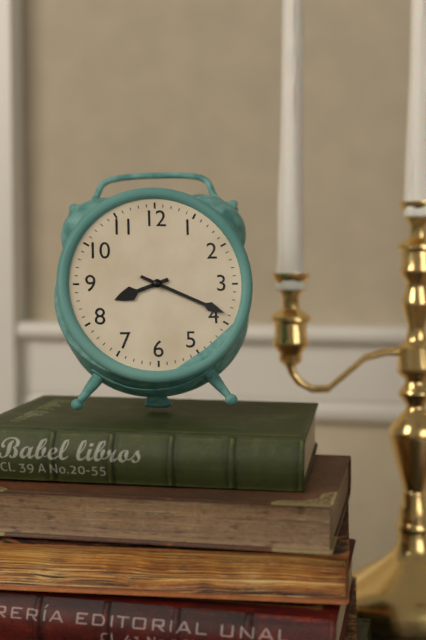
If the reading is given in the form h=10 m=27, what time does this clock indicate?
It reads h=8 m=19
